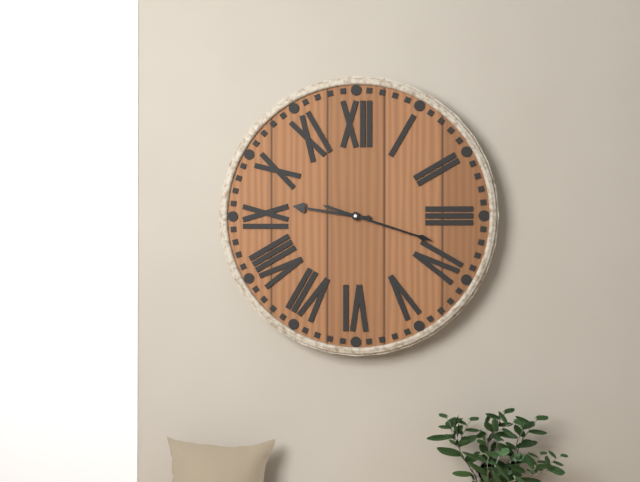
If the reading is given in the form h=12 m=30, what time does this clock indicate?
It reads h=9 m=18
